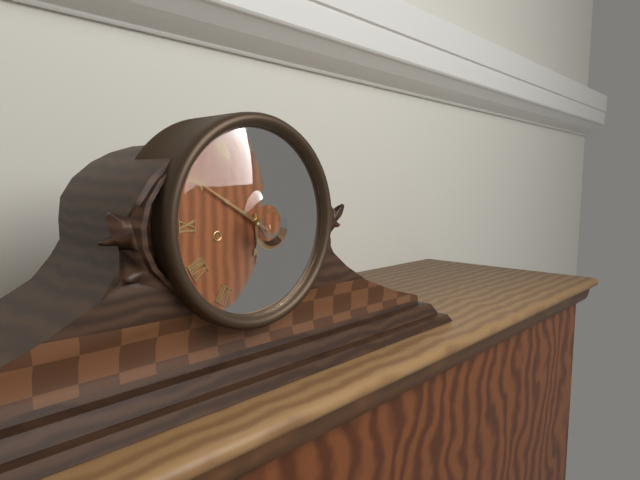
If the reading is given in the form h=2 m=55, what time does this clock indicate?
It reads h=5 m=50
